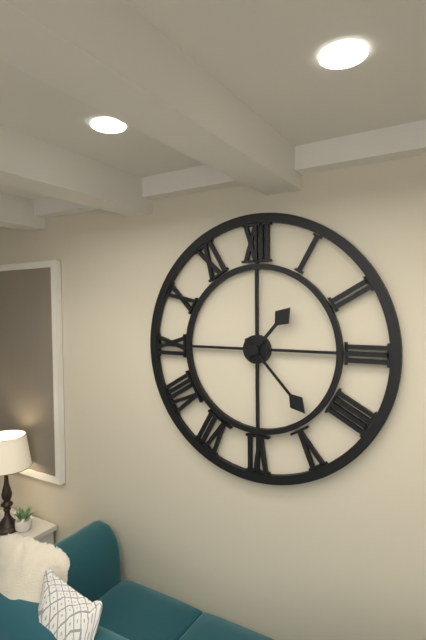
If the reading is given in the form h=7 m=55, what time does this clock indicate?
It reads h=1 m=23
